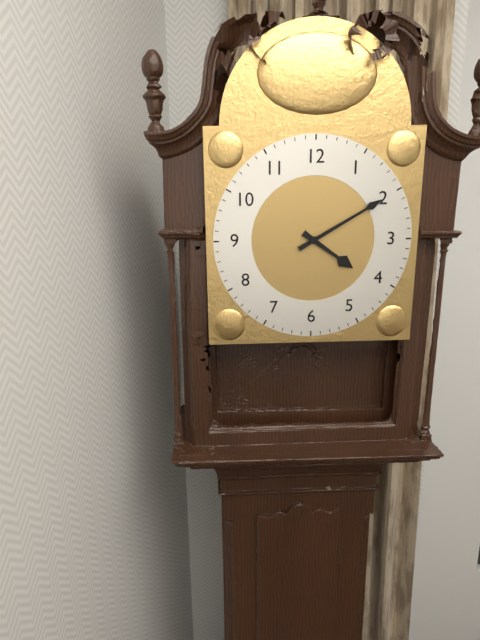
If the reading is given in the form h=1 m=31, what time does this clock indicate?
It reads h=4 m=10
